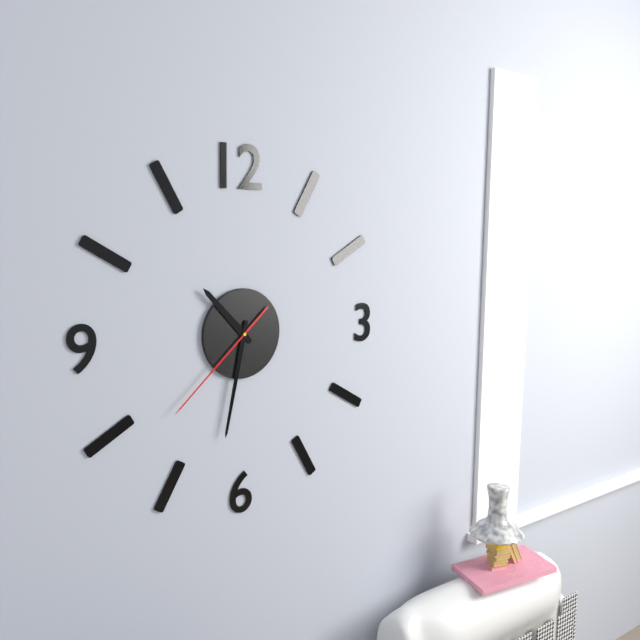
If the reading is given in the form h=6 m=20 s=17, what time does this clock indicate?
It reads h=10 m=32 s=38
